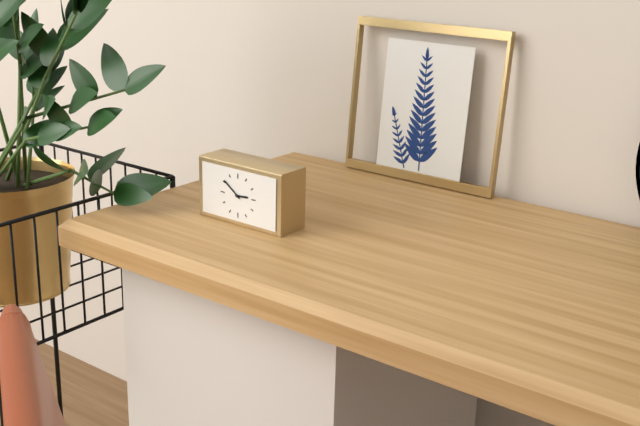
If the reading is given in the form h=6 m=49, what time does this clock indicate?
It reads h=2 m=51
